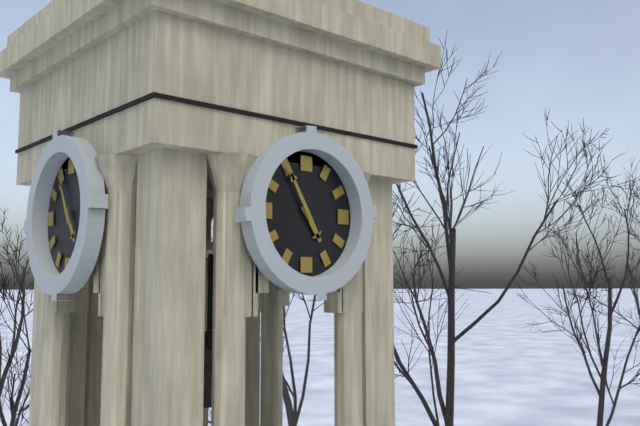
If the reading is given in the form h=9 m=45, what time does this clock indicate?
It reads h=4 m=55
